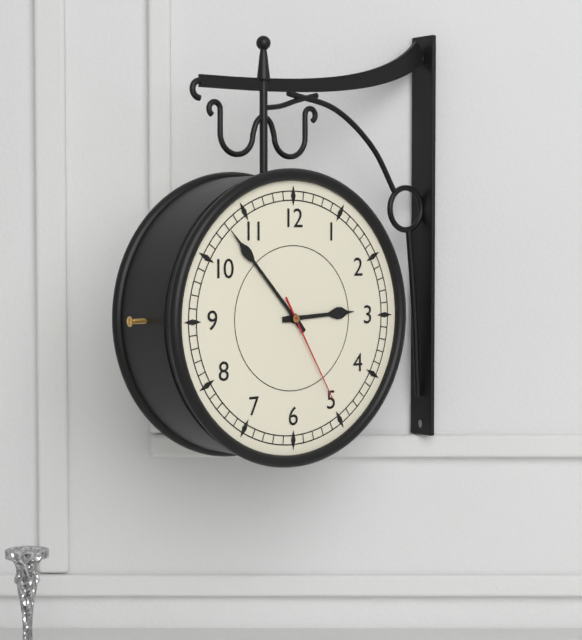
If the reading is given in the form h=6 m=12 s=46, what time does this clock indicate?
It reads h=2 m=53 s=25
